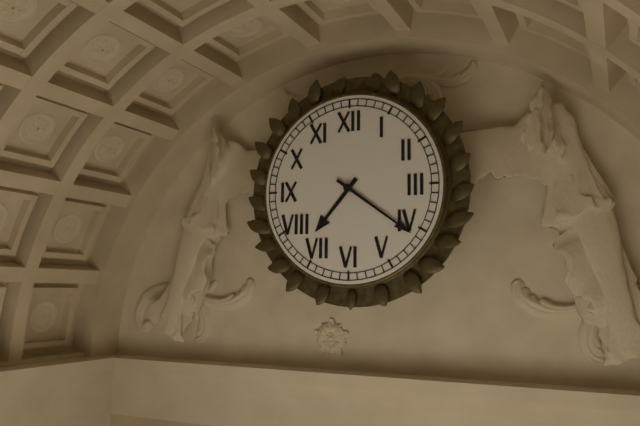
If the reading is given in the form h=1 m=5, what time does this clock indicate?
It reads h=7 m=21
